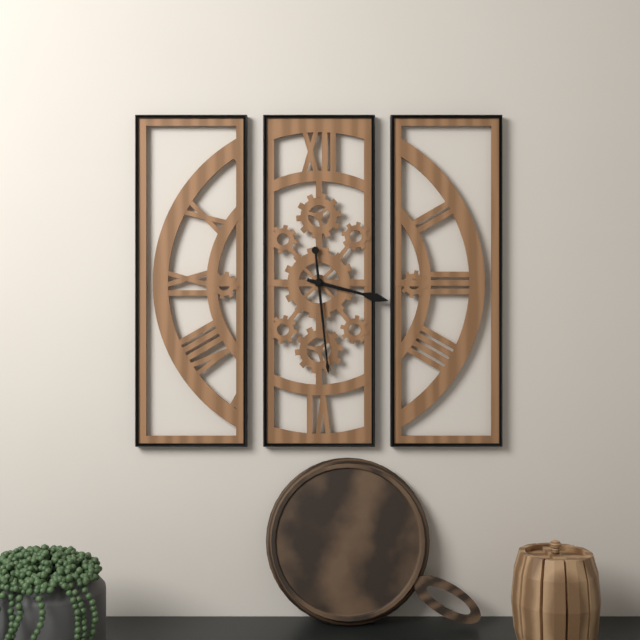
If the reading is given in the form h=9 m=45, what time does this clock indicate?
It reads h=3 m=29
